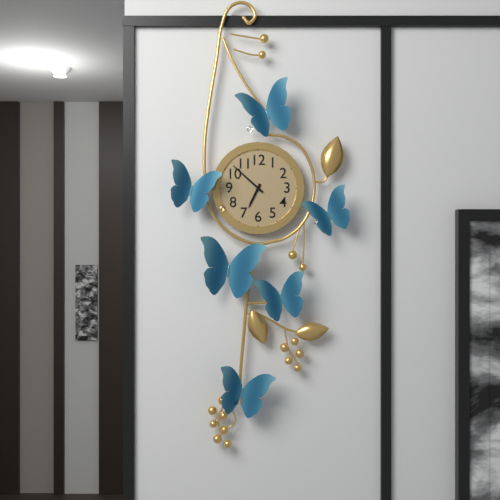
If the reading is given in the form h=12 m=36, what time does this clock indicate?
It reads h=6 m=52
